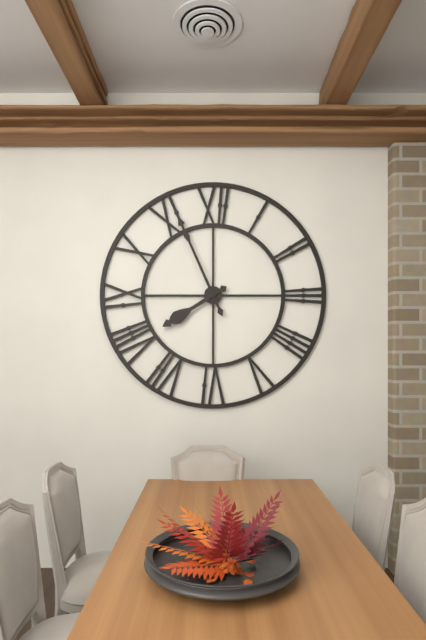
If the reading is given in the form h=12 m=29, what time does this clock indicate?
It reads h=7 m=56
